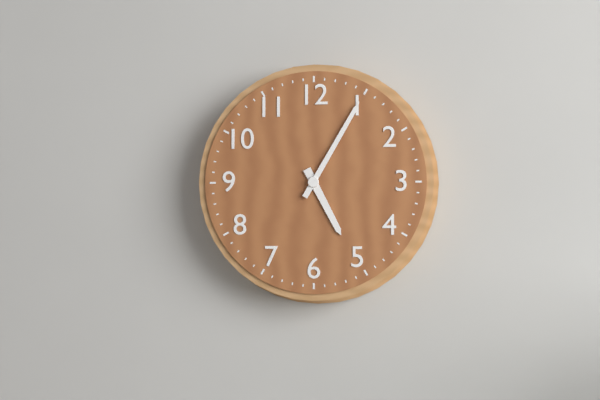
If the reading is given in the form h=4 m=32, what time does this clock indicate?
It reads h=5 m=5
